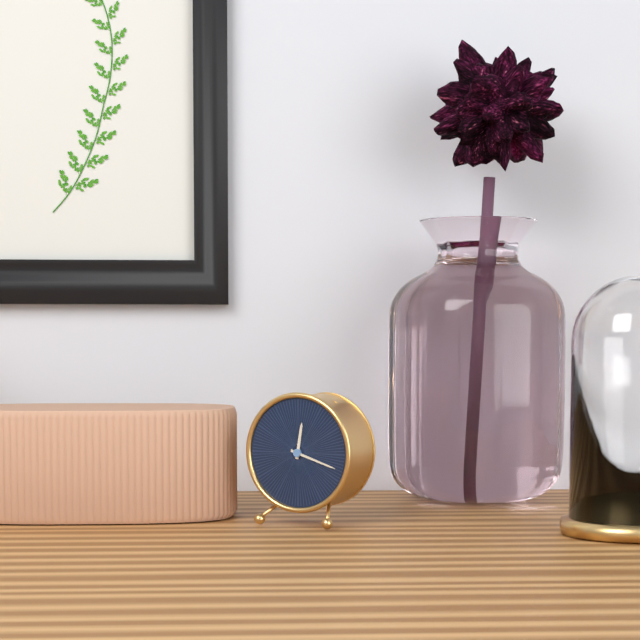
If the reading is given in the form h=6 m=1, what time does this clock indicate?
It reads h=12 m=18
